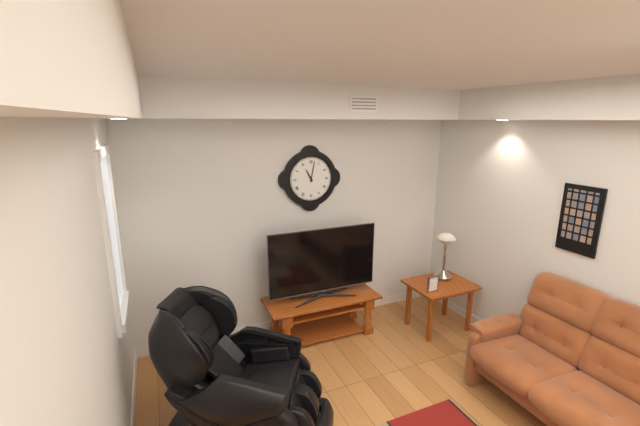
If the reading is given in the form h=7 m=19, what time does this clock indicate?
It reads h=11 m=2
